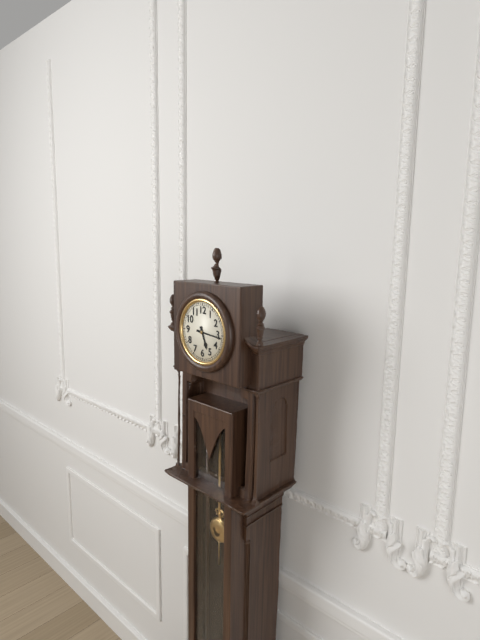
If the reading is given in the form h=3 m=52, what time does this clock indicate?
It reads h=5 m=16
